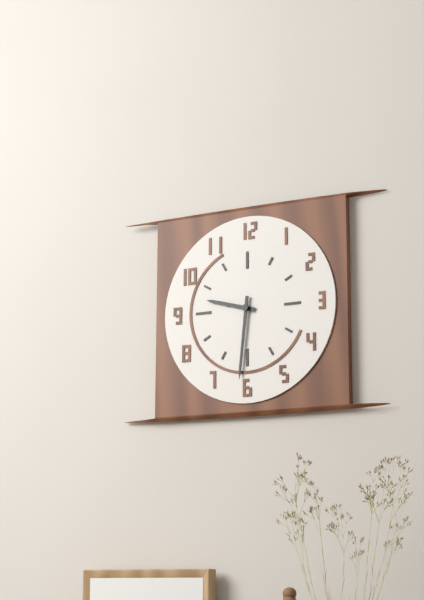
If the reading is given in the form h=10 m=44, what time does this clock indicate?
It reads h=9 m=31
